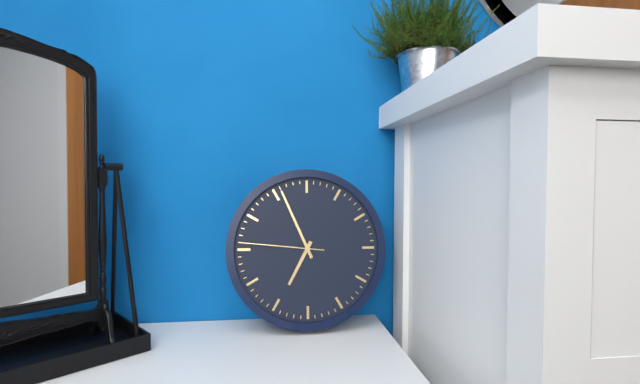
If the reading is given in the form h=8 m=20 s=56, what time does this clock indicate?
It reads h=6 m=56 s=46
